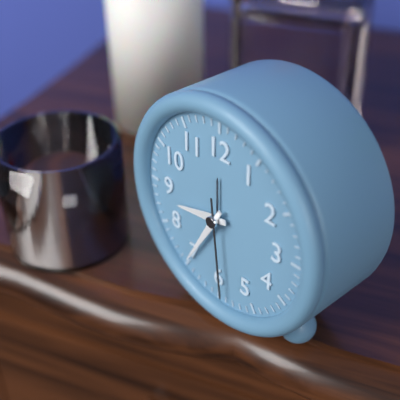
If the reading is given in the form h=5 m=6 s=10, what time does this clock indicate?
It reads h=8 m=35 s=29
